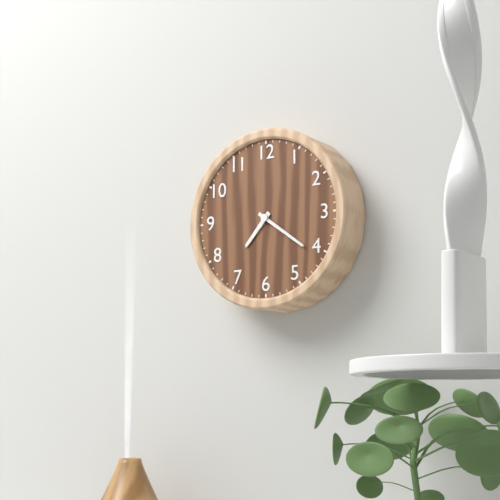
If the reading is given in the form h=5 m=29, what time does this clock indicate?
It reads h=7 m=21
